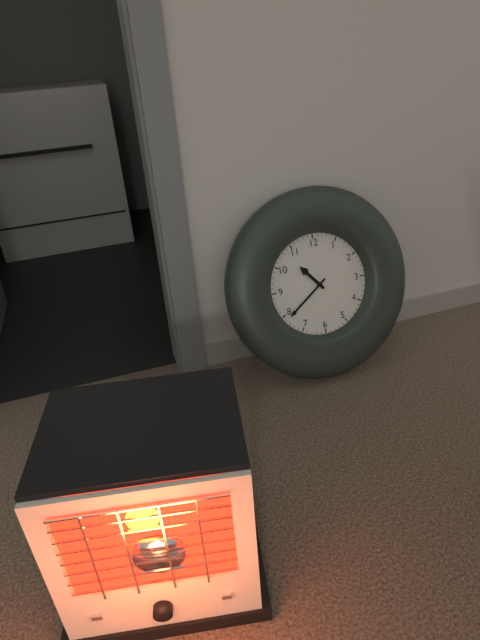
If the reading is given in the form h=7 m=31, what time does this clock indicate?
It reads h=10 m=39
